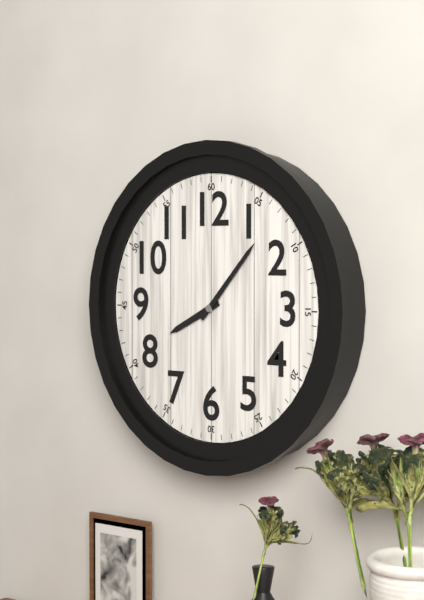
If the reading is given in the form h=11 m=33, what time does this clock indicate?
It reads h=8 m=7
